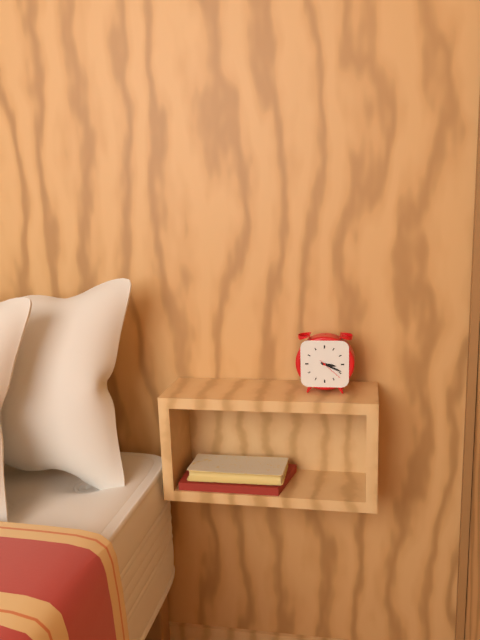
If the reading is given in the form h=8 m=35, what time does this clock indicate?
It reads h=3 m=19
